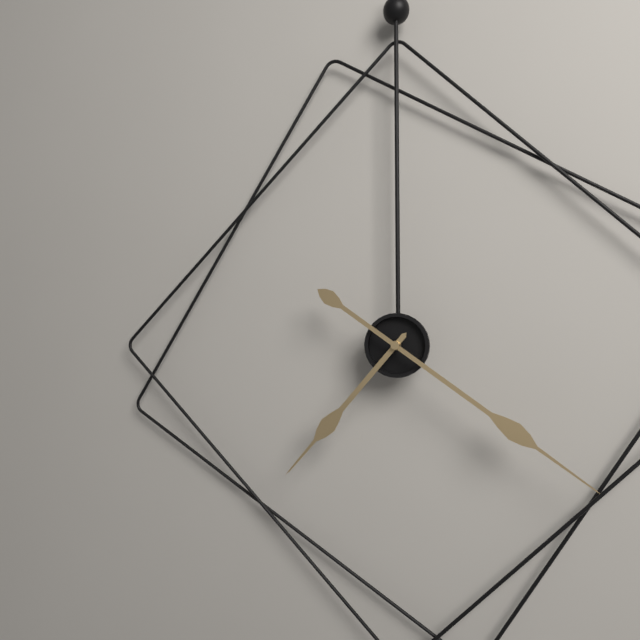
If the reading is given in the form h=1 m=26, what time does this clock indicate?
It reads h=7 m=21
